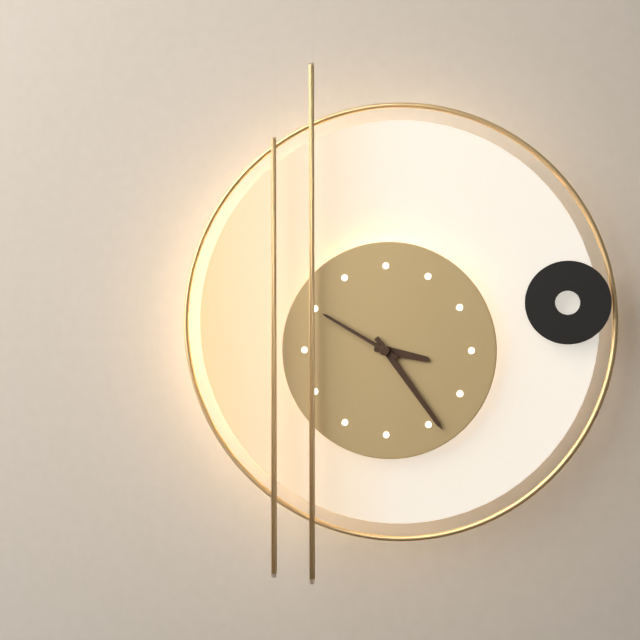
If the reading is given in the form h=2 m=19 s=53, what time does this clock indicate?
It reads h=3 m=24 s=50
